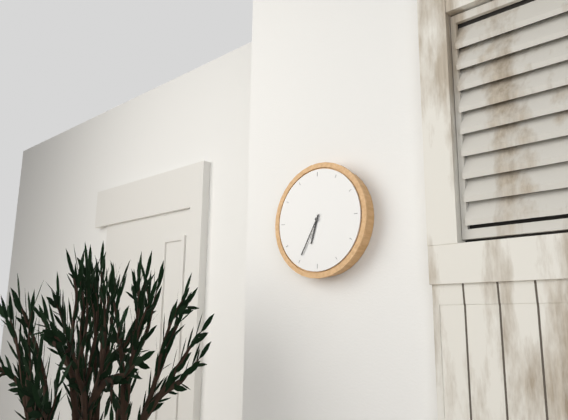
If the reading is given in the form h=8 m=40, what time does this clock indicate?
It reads h=6 m=35
